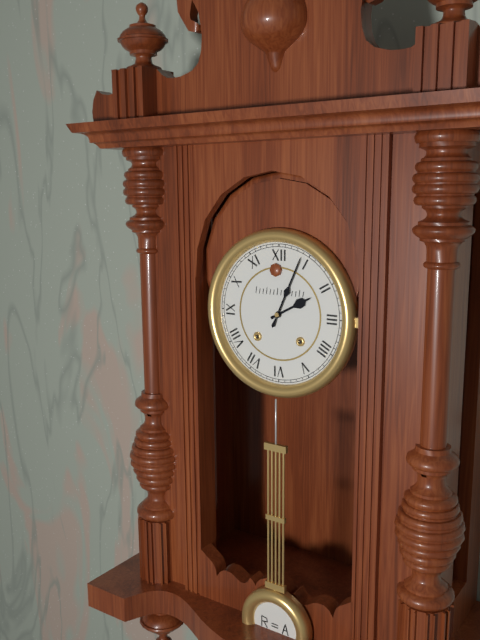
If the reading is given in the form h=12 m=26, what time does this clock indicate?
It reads h=2 m=4
